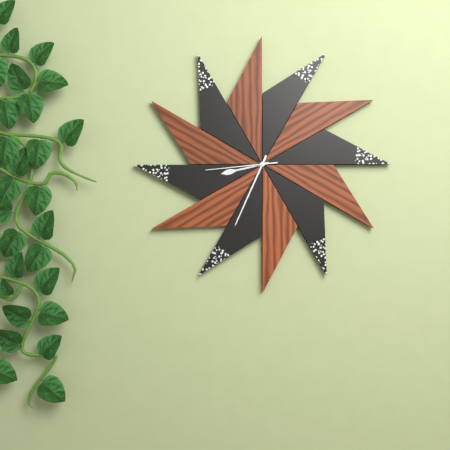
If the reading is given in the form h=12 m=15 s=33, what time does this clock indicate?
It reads h=8 m=34 s=44
